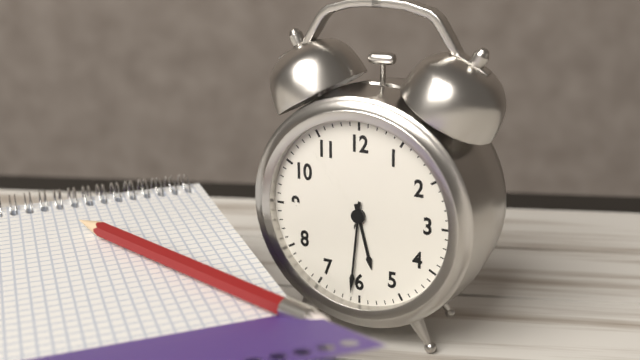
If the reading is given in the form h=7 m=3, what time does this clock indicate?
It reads h=5 m=31
